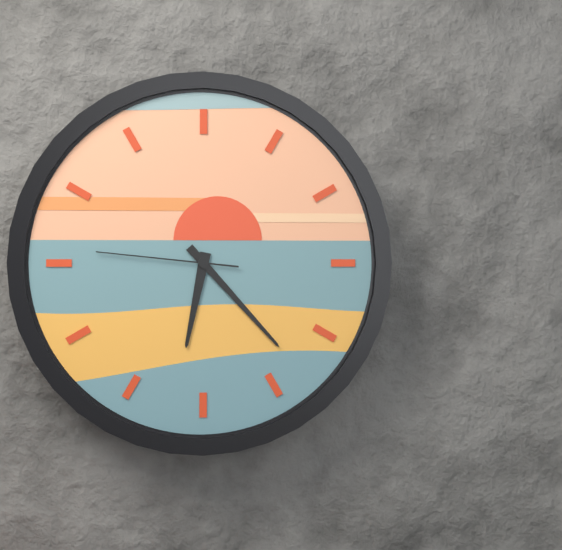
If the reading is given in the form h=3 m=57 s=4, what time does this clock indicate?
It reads h=6 m=23 s=46
